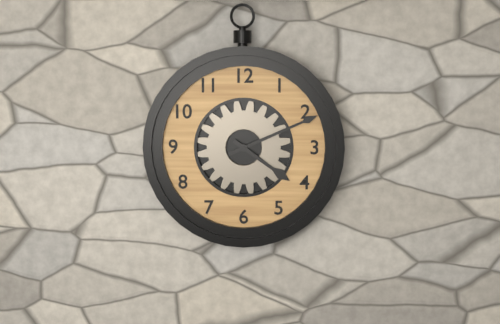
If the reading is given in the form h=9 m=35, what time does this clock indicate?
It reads h=4 m=11
